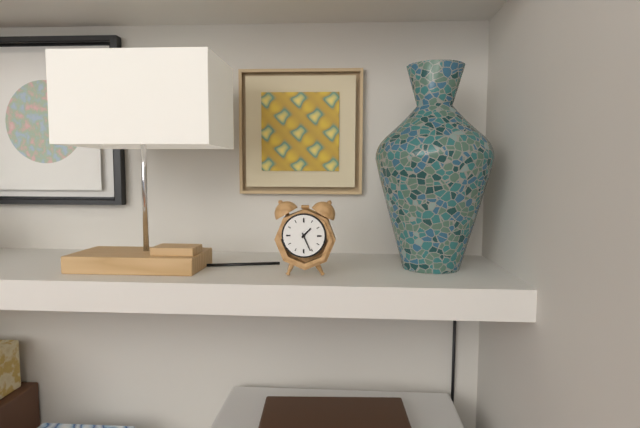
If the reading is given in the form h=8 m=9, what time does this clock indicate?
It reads h=1 m=26
